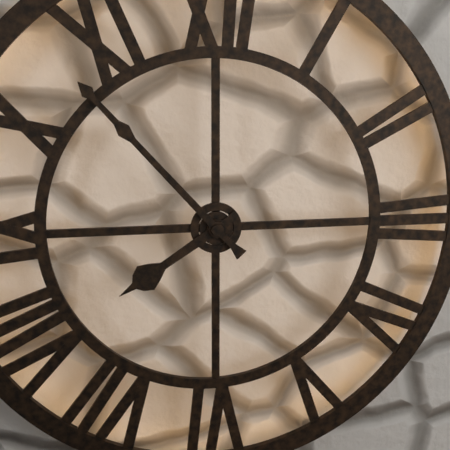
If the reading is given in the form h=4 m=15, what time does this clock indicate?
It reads h=7 m=53
